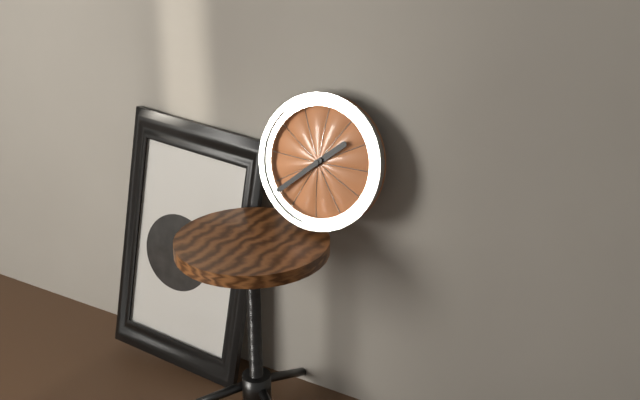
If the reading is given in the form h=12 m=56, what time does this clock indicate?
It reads h=1 m=38
